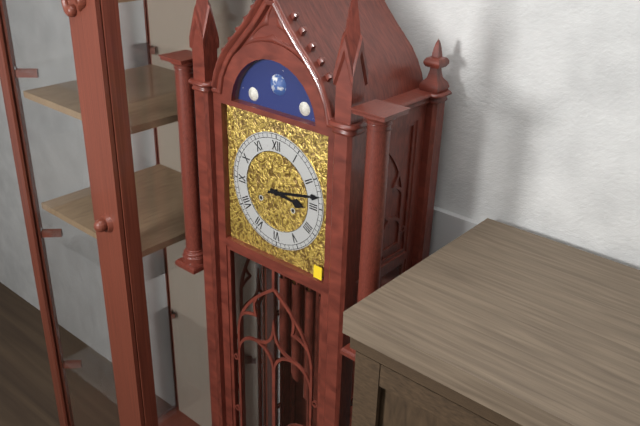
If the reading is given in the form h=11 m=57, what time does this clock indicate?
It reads h=3 m=13
